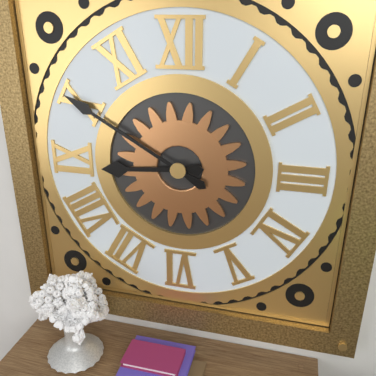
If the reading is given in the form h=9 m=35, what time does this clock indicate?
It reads h=8 m=50
